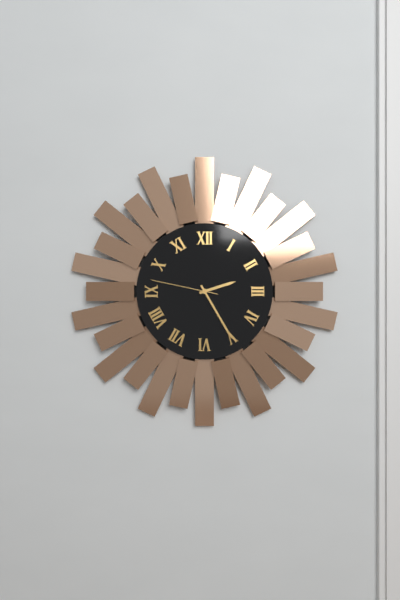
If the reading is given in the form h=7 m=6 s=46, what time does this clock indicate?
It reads h=2 m=25 s=47
